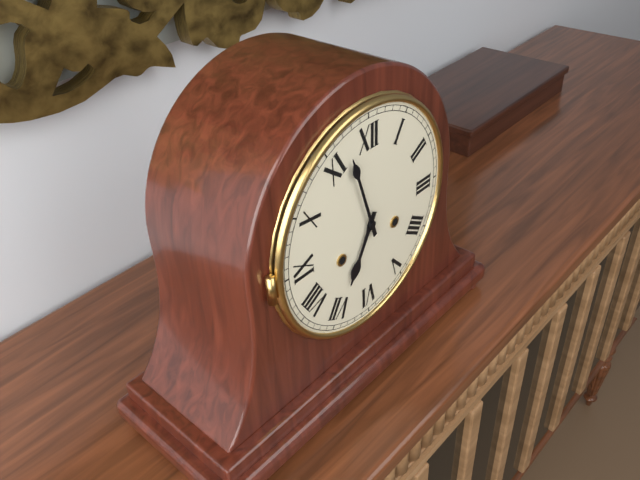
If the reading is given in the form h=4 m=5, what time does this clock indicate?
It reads h=6 m=57
